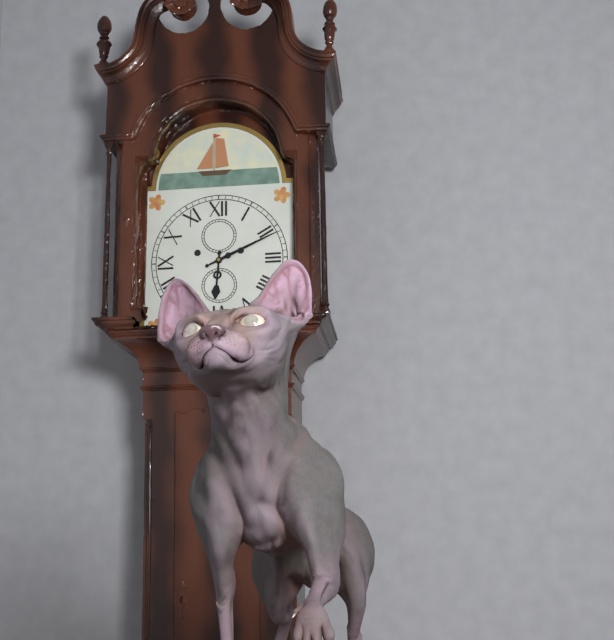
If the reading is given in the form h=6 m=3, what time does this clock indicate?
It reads h=6 m=11
